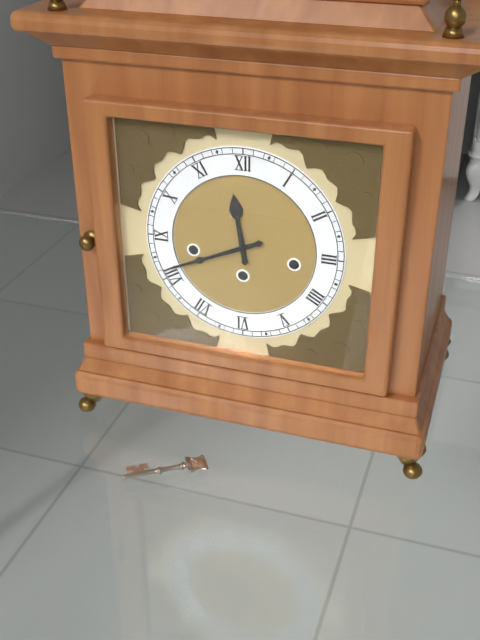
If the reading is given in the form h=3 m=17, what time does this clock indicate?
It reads h=11 m=41
